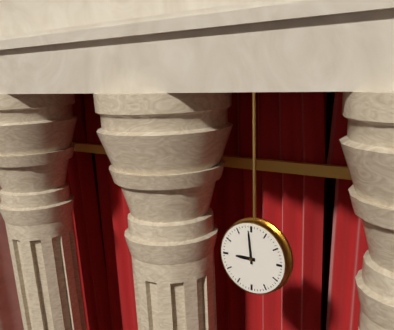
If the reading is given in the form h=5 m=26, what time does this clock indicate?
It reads h=8 m=59
